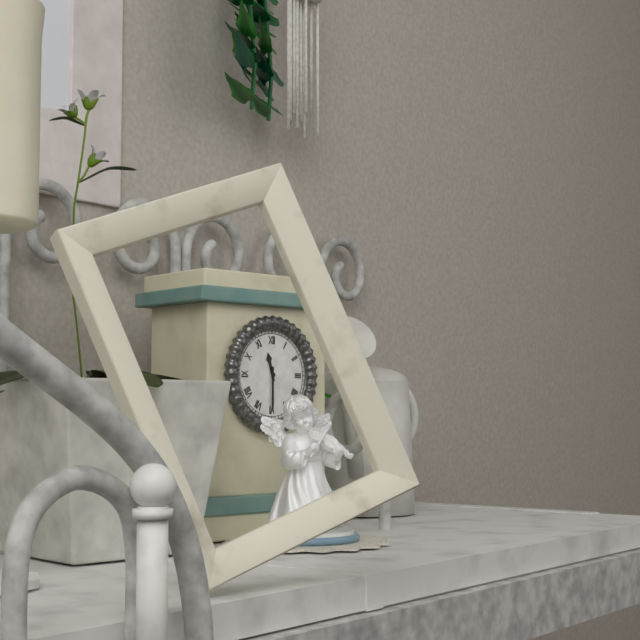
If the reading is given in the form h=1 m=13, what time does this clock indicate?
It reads h=11 m=30
